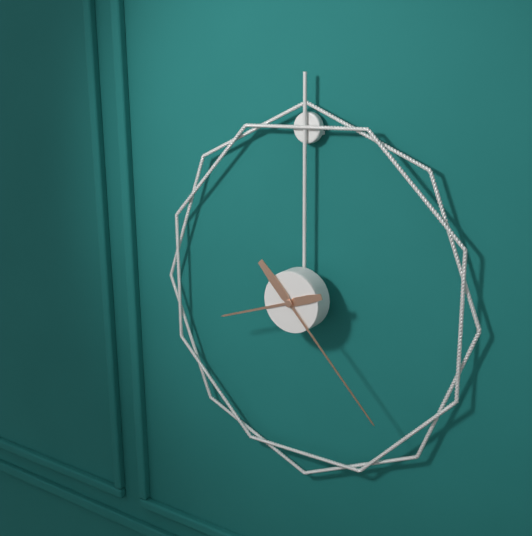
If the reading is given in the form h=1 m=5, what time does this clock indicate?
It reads h=8 m=23
